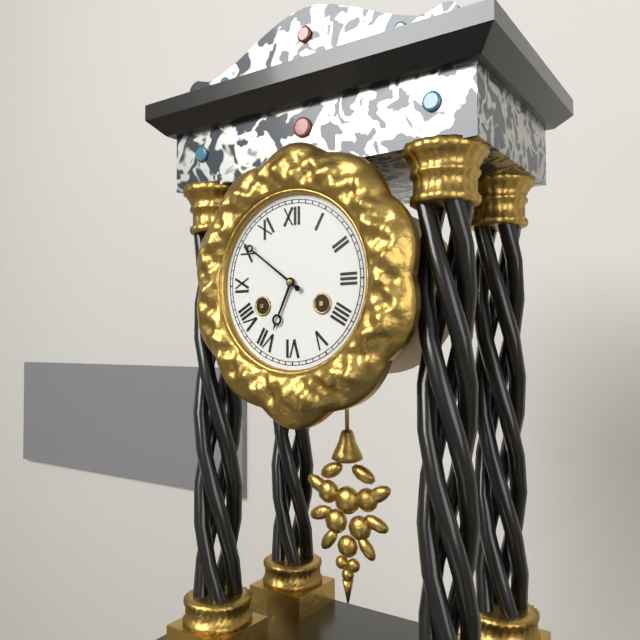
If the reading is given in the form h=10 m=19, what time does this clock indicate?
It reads h=6 m=51
